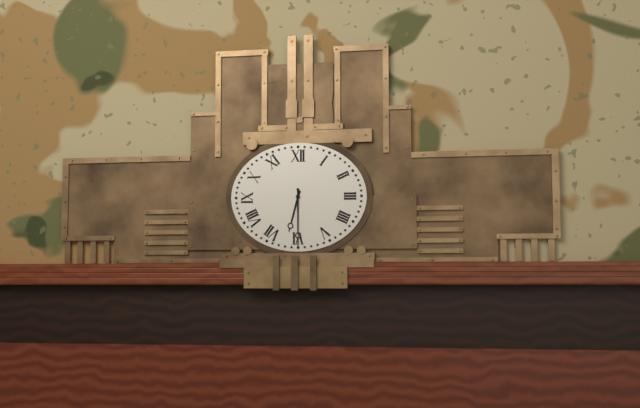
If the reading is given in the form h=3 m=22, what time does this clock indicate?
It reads h=6 m=30
